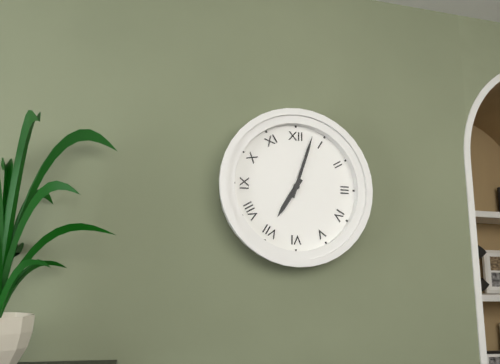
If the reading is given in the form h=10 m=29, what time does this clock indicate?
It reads h=7 m=3
